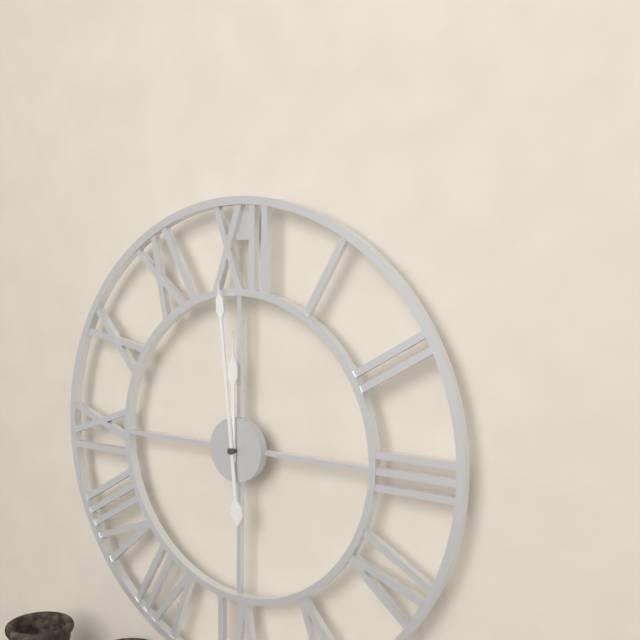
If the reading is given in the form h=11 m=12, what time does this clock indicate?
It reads h=11 m=59
